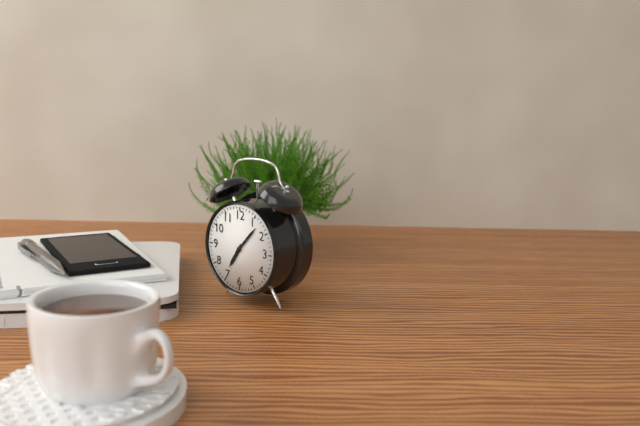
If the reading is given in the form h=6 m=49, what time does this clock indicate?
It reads h=7 m=7
